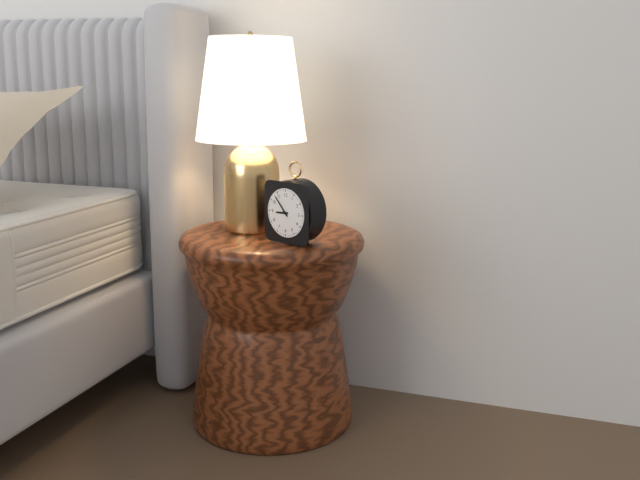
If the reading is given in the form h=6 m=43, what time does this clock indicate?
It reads h=8 m=53
